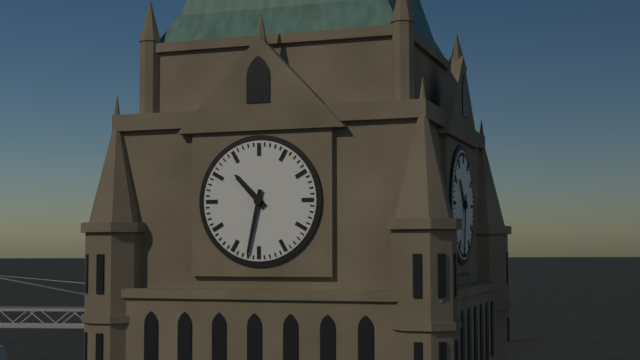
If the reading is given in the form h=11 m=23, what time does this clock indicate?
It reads h=10 m=32
